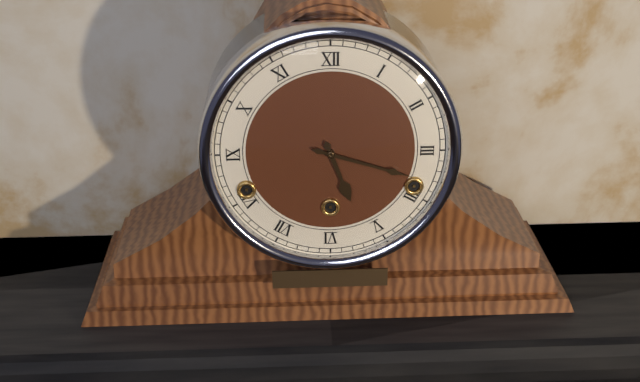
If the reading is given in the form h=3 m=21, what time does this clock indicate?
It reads h=5 m=18
